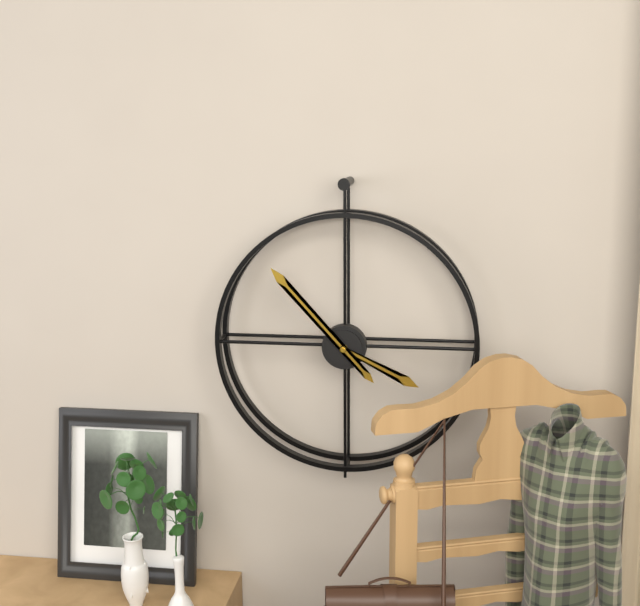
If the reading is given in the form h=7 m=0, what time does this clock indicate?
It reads h=3 m=53
